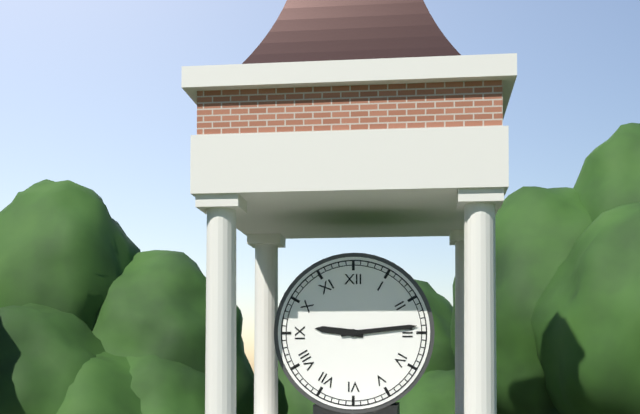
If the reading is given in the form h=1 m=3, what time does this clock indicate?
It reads h=9 m=14
